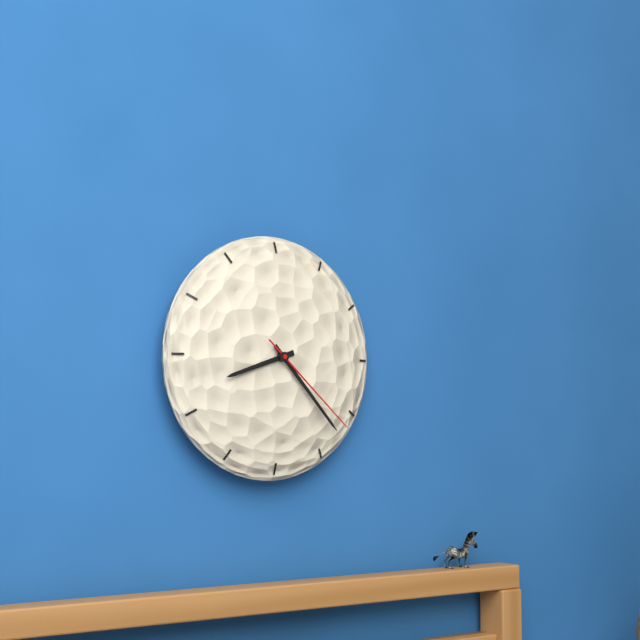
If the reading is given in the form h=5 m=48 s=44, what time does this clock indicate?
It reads h=8 m=23 s=22
